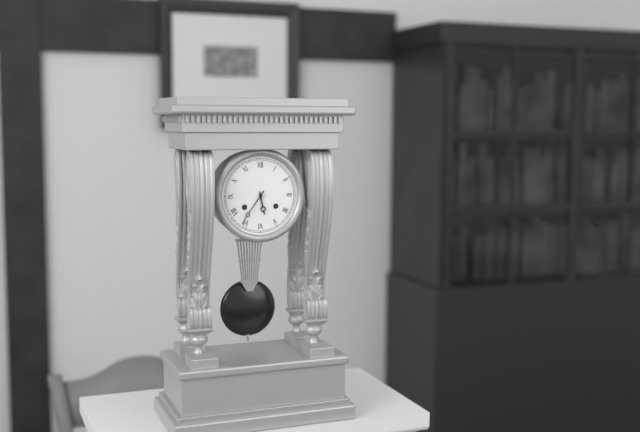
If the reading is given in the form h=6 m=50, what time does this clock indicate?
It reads h=5 m=36
